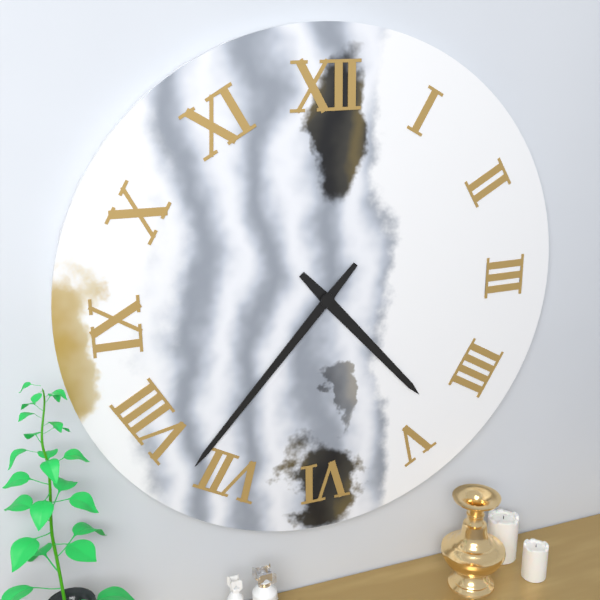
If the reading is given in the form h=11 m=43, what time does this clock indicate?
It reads h=4 m=37
